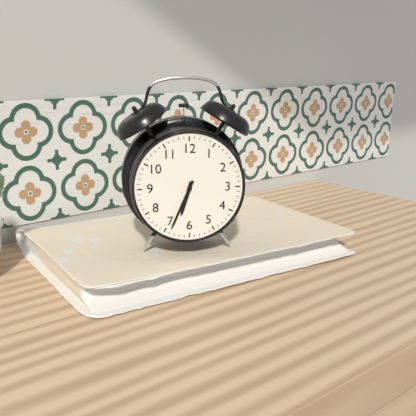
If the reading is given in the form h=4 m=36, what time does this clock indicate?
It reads h=6 m=34
